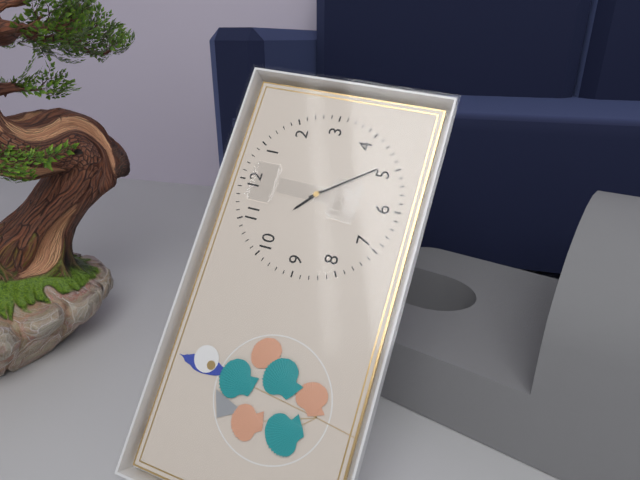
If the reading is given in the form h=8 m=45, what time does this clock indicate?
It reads h=10 m=24
